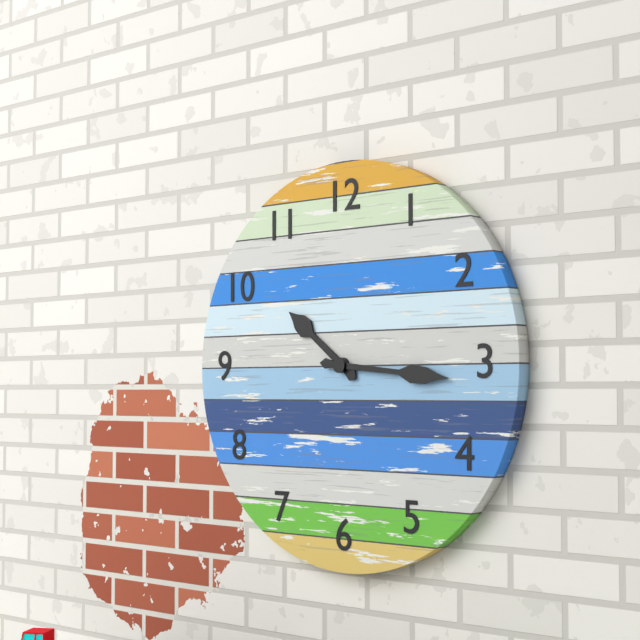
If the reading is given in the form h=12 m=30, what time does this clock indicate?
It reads h=10 m=16
